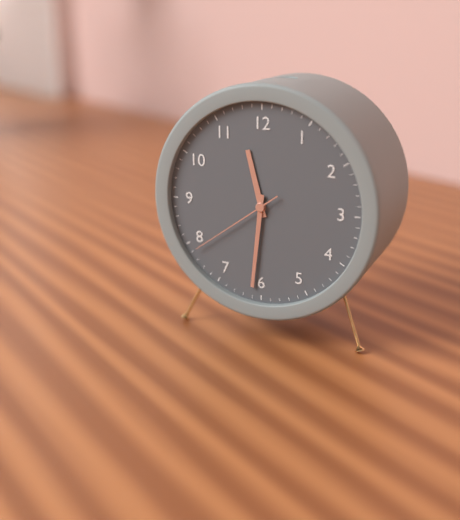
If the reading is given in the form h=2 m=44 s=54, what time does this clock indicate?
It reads h=11 m=31 s=39
